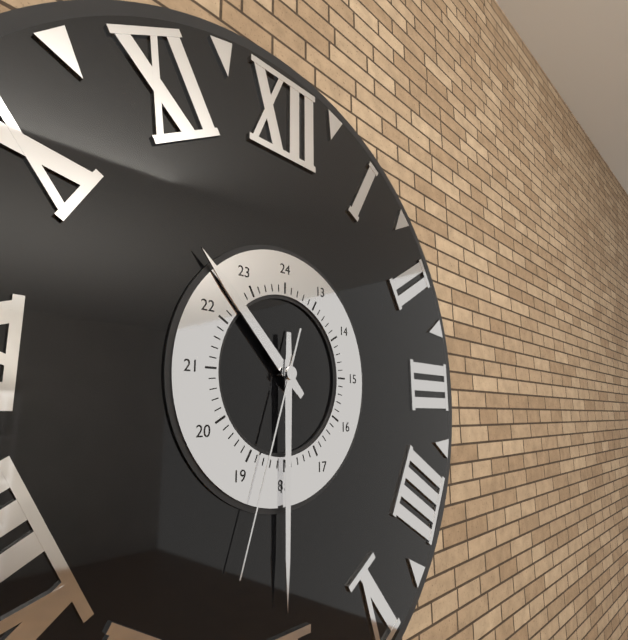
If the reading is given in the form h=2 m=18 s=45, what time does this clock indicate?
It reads h=10 m=30 s=33
